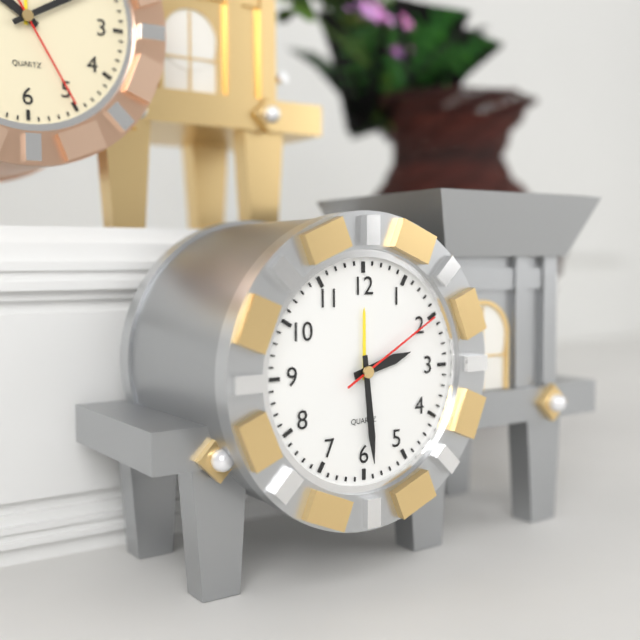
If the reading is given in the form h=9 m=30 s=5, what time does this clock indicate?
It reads h=2 m=29 s=10
